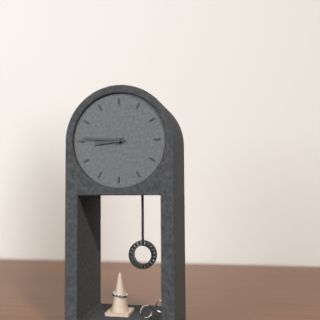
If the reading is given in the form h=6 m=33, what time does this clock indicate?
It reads h=8 m=46
